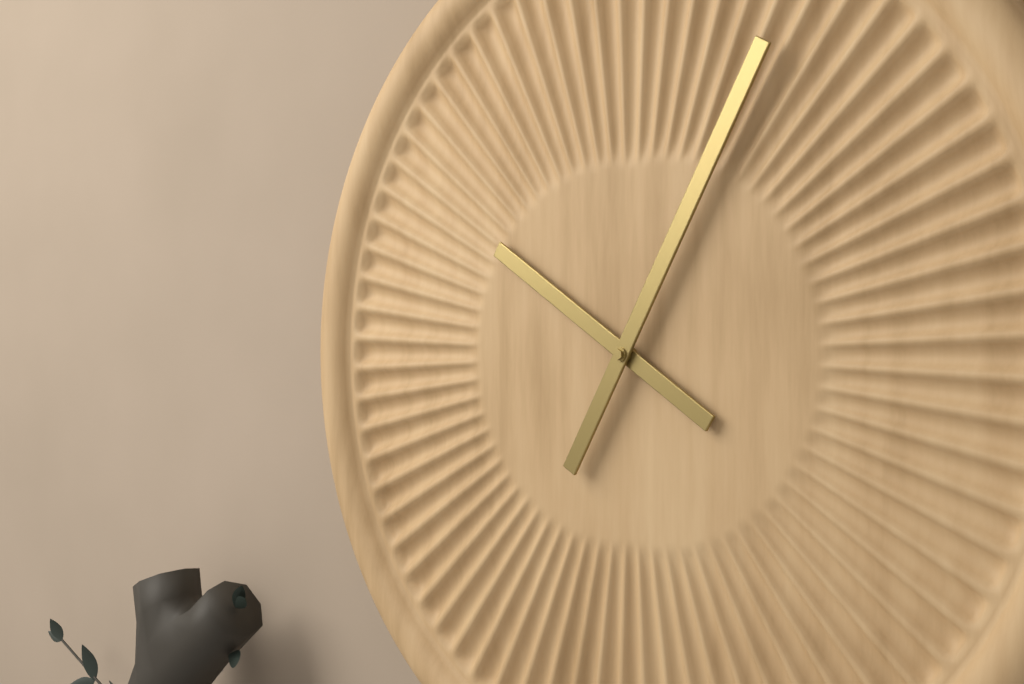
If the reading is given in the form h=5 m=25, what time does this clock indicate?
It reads h=10 m=5
